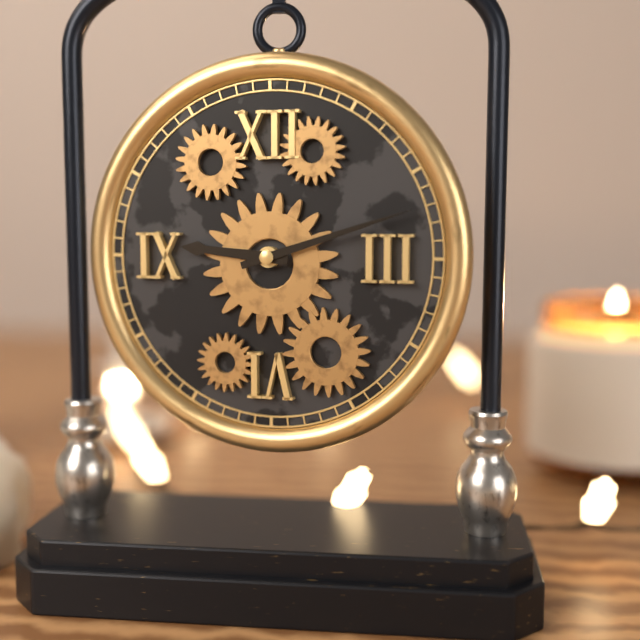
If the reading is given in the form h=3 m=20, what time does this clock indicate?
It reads h=9 m=12
